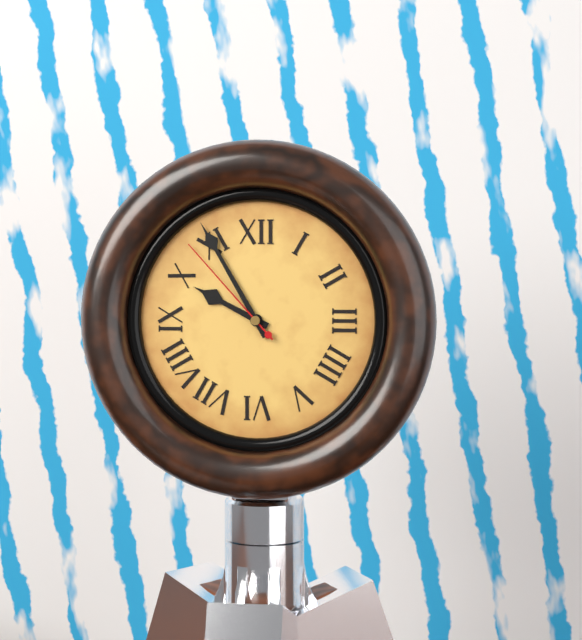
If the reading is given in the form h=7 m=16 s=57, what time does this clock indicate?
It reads h=9 m=55 s=53
